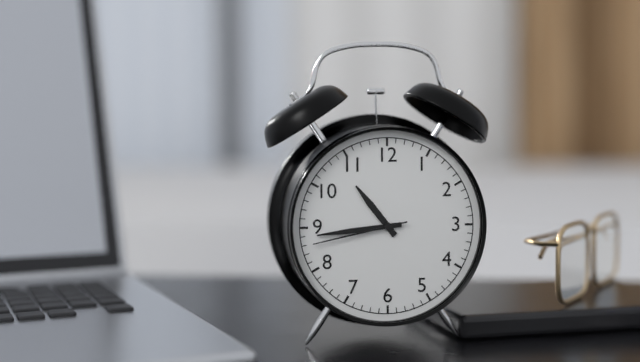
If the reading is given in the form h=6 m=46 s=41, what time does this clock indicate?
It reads h=10 m=44 s=43
